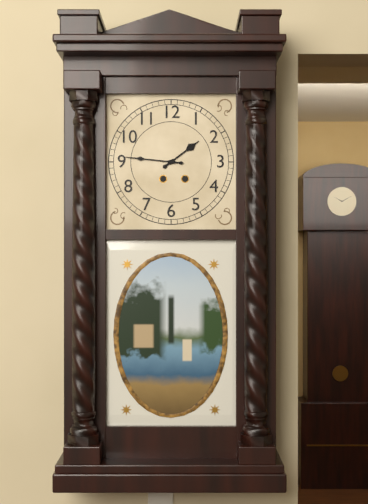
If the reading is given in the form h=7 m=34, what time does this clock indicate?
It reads h=1 m=46
